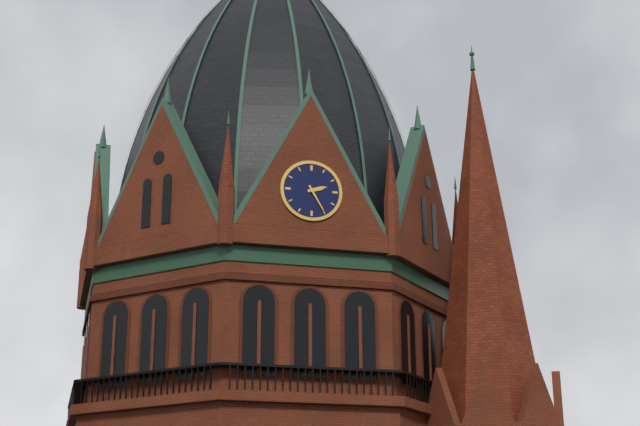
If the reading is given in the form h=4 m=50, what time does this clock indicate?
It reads h=2 m=25
